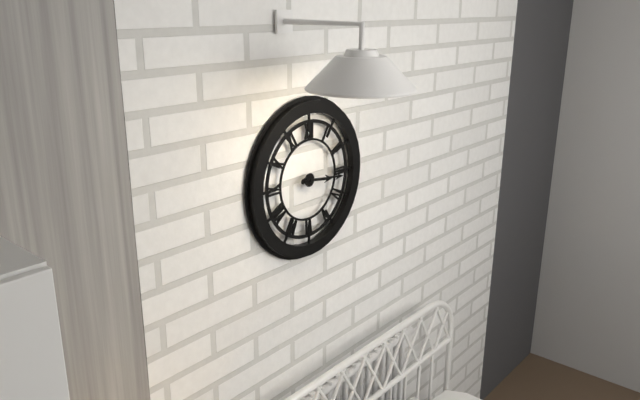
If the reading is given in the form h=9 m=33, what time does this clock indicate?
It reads h=3 m=16
